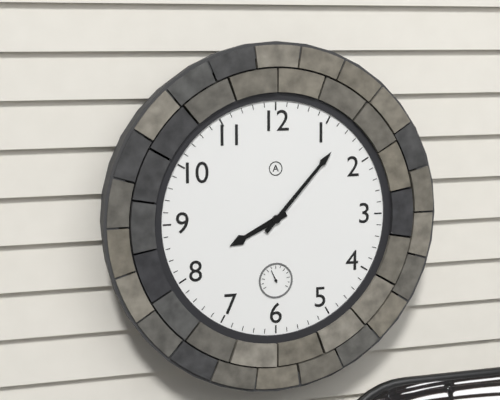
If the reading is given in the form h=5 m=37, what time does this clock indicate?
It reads h=8 m=7
